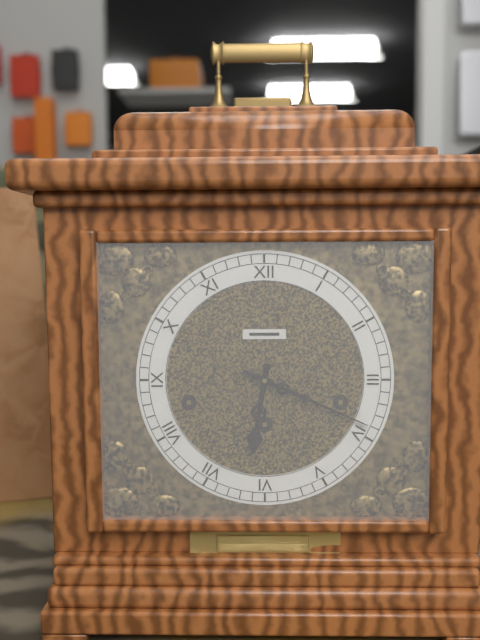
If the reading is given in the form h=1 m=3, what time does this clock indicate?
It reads h=6 m=19
